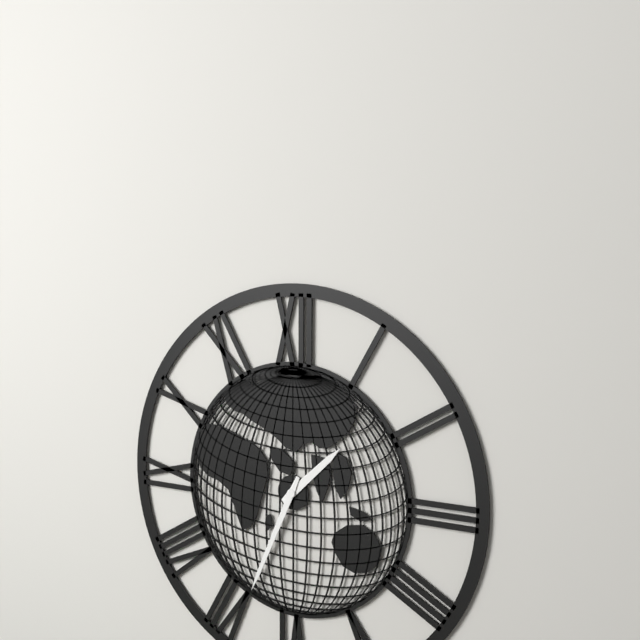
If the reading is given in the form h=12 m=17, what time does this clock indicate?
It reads h=1 m=34
